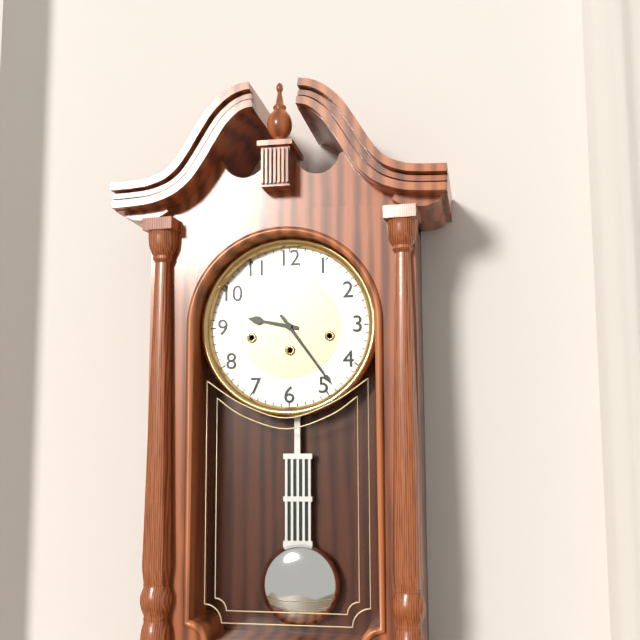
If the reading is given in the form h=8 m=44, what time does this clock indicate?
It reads h=9 m=24
